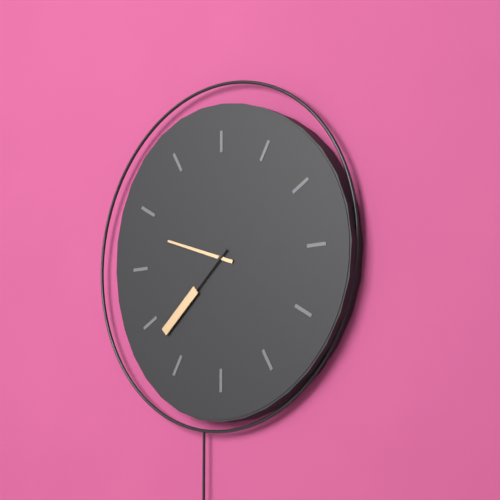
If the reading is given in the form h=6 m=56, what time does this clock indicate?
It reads h=9 m=38
